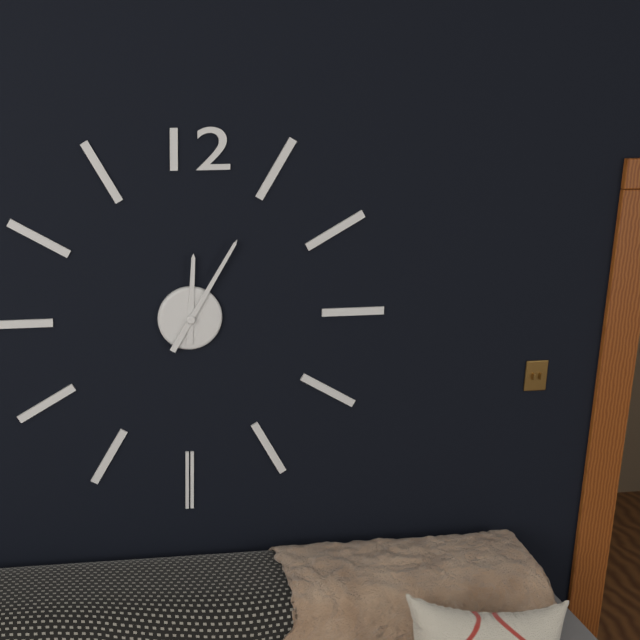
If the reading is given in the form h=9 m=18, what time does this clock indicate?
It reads h=12 m=5
